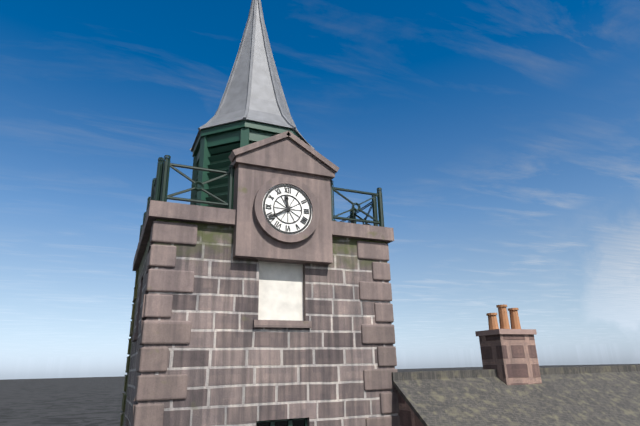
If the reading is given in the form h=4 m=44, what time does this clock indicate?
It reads h=11 m=40
